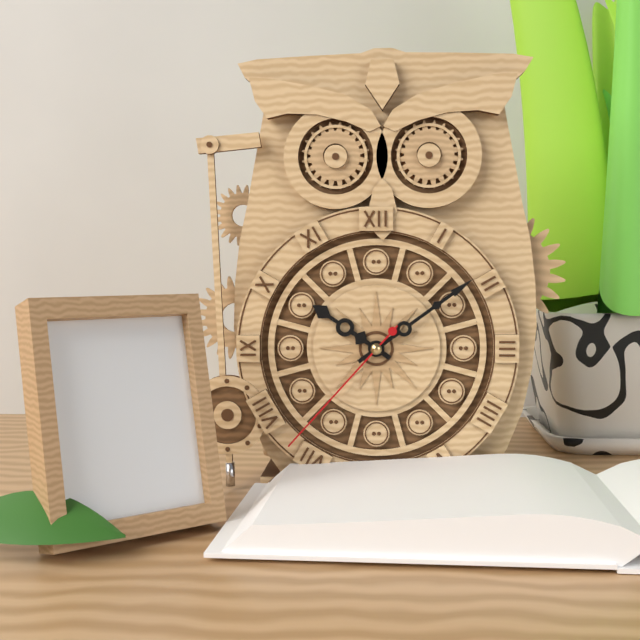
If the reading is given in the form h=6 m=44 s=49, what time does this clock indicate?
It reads h=10 m=9 s=37
